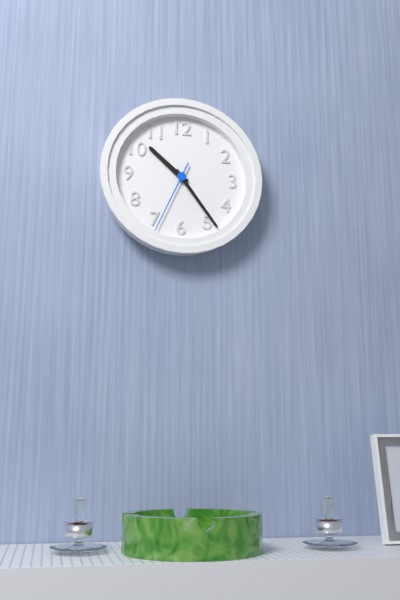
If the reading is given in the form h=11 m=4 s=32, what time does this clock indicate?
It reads h=10 m=24 s=34
